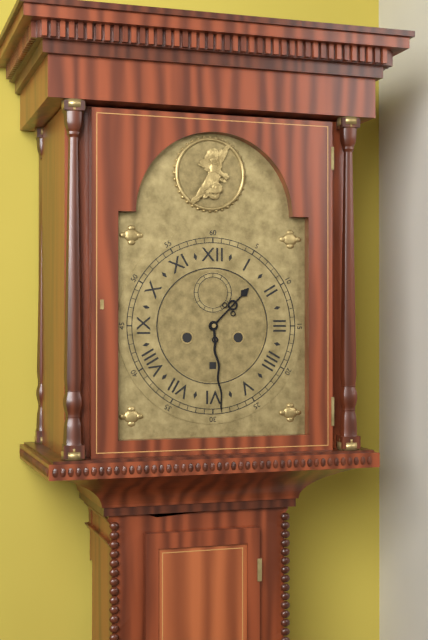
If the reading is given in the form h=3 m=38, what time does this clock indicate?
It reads h=1 m=29
